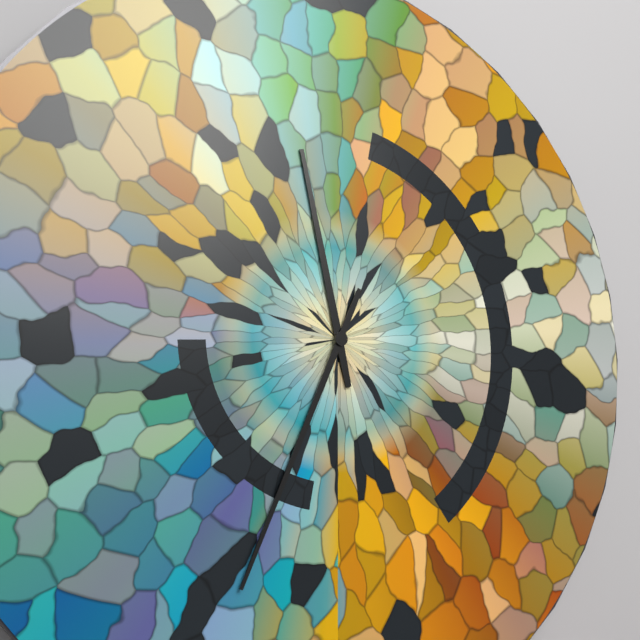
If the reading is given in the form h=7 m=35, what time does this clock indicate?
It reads h=11 m=34
